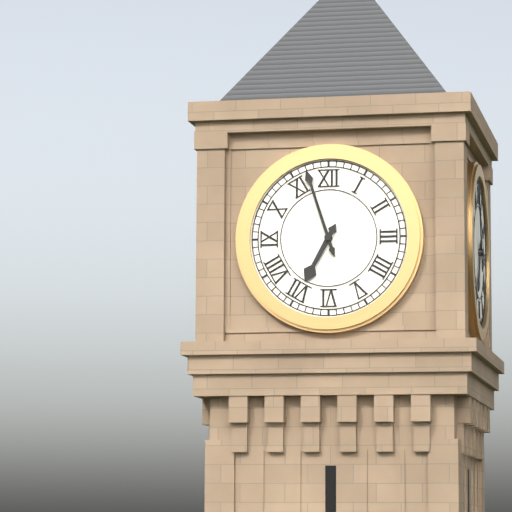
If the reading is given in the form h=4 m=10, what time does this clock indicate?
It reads h=6 m=57
